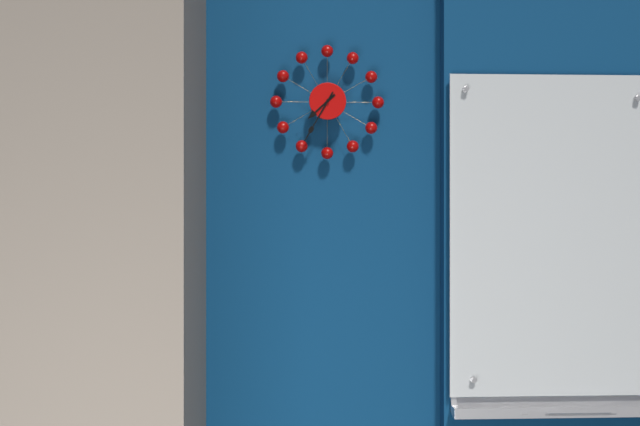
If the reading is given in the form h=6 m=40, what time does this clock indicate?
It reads h=7 m=35
